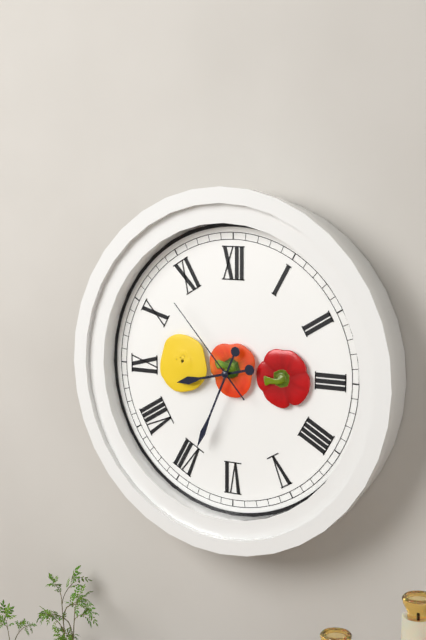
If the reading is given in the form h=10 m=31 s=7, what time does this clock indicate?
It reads h=8 m=34 s=53
